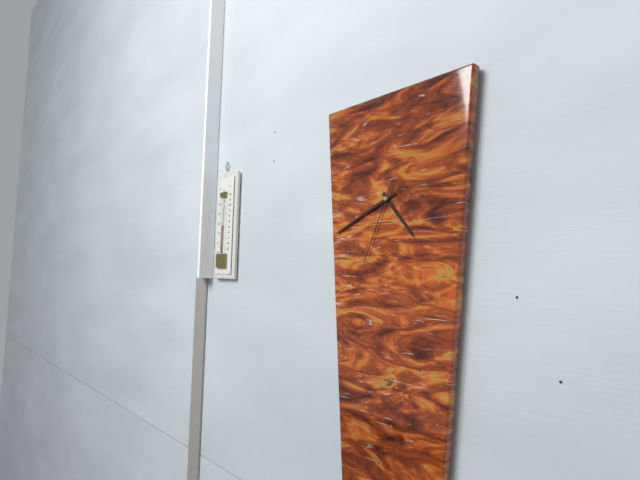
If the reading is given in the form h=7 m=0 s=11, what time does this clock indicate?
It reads h=4 m=41 s=34
